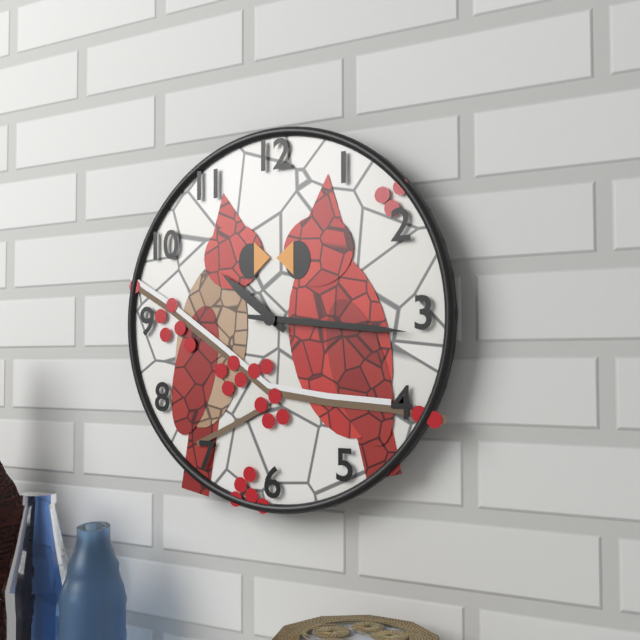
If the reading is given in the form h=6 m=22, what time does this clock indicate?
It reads h=10 m=16
